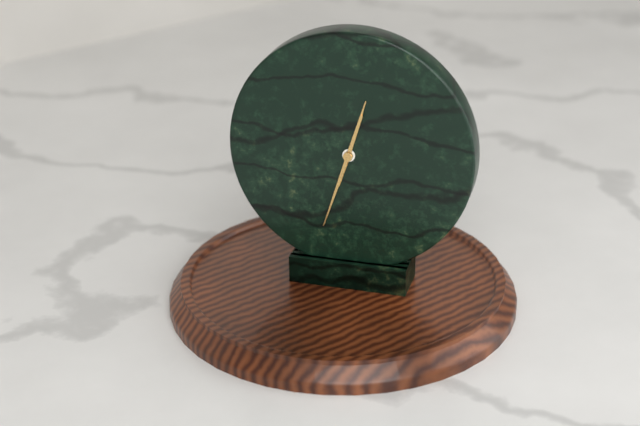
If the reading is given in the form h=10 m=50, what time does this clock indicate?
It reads h=12 m=33
